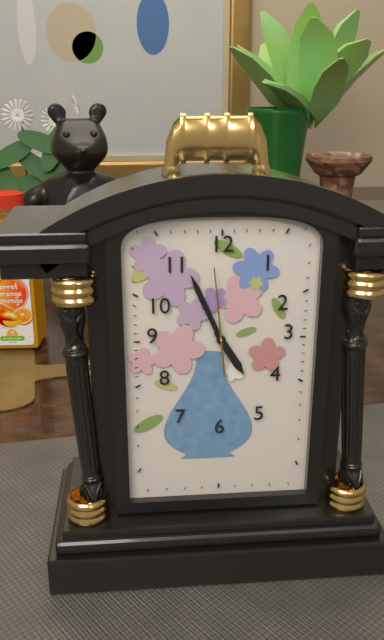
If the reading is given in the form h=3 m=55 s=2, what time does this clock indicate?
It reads h=4 m=56 s=59
